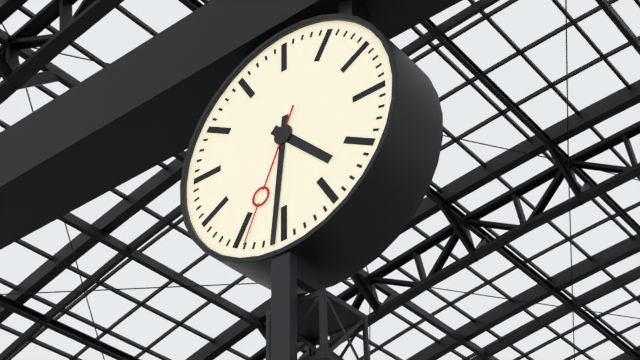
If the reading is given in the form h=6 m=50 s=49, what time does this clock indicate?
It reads h=4 m=31 s=34
